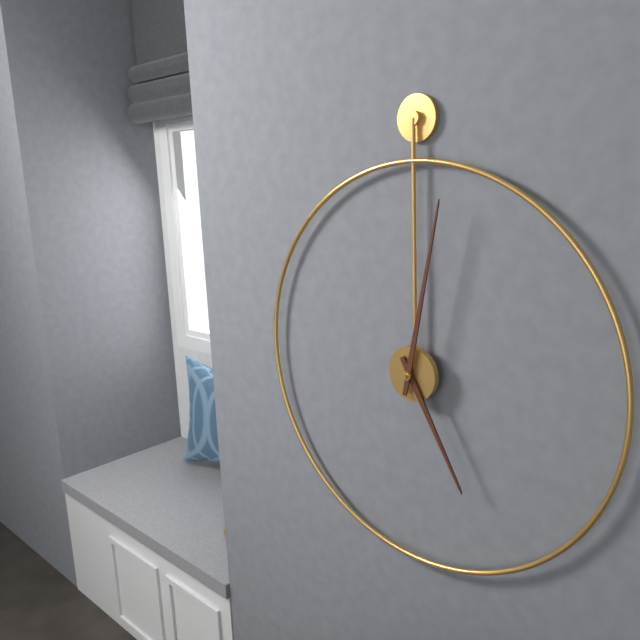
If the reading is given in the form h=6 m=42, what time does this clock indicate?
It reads h=5 m=2
